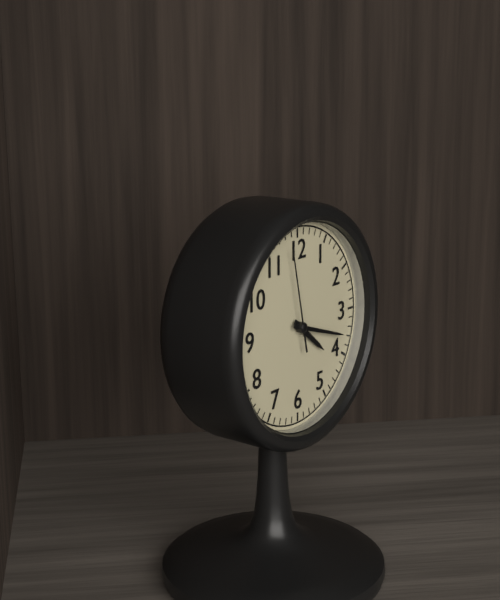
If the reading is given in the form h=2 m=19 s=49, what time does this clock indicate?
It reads h=4 m=18 s=58
